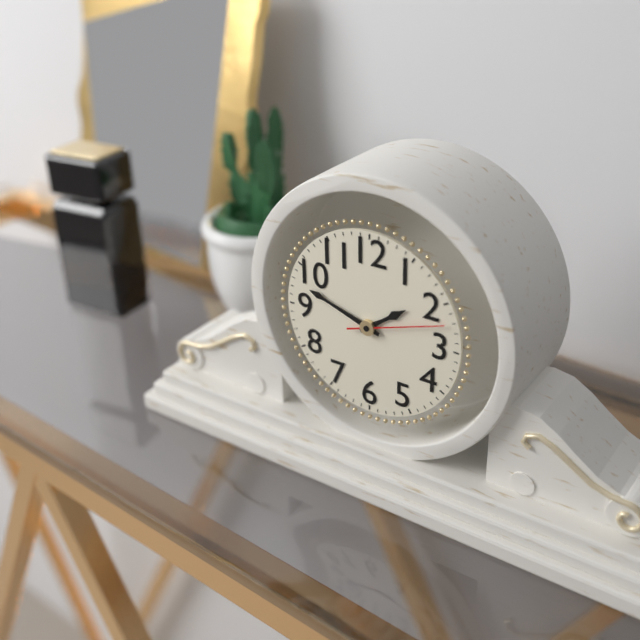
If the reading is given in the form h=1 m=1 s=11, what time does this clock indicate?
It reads h=1 m=48 s=12
